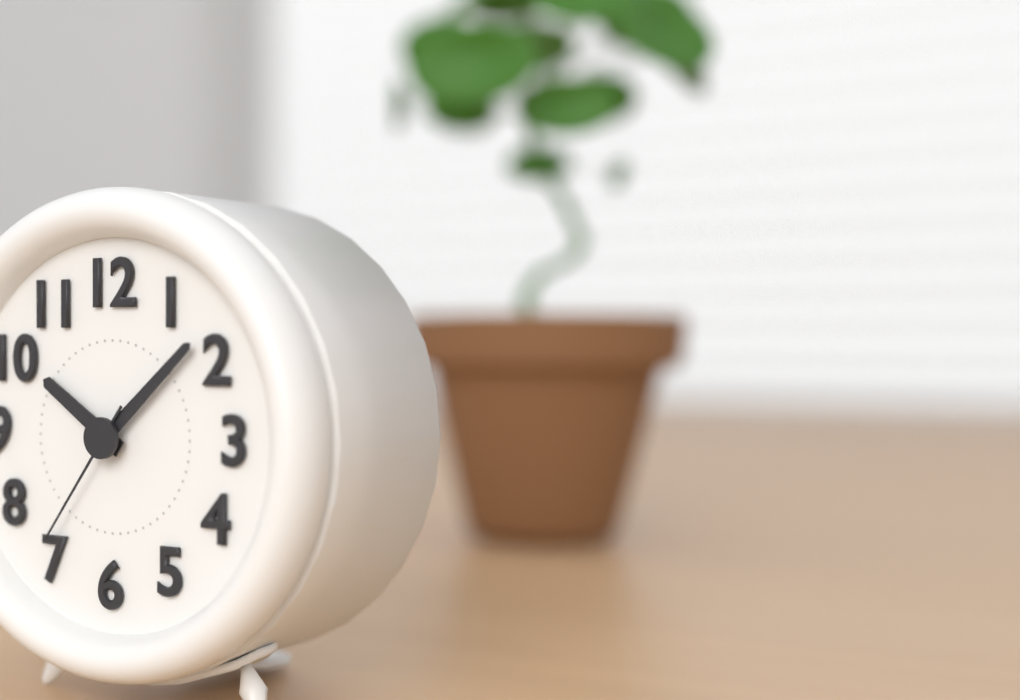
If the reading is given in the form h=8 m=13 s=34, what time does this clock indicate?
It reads h=10 m=8 s=36
